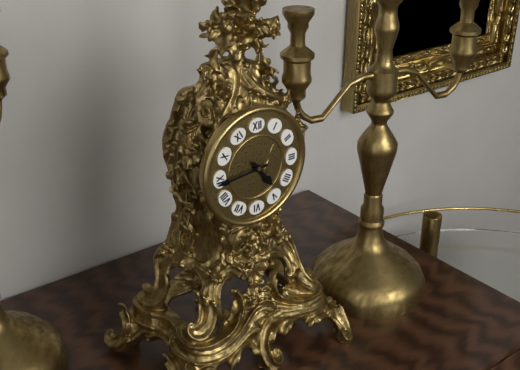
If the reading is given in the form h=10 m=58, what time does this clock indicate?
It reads h=4 m=44
